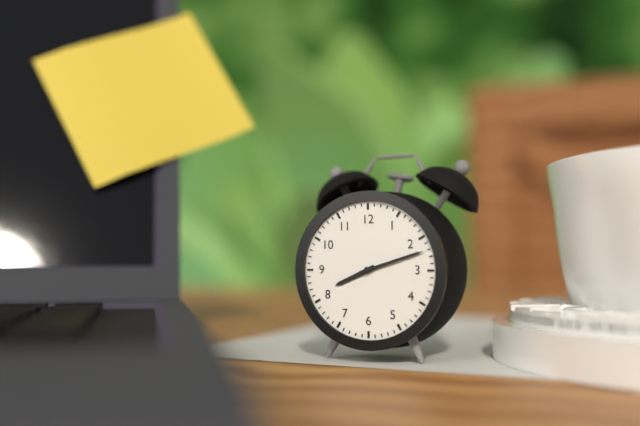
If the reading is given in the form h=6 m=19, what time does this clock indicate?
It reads h=8 m=12
